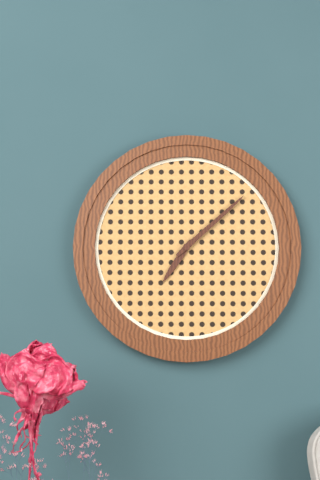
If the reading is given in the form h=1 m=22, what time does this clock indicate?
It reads h=7 m=8
